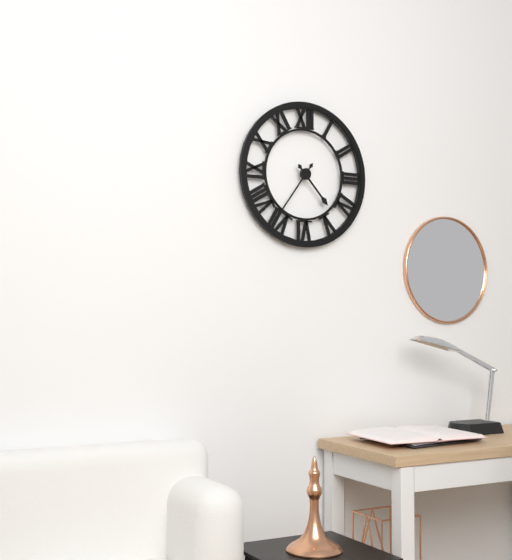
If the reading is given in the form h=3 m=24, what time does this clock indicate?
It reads h=4 m=36
